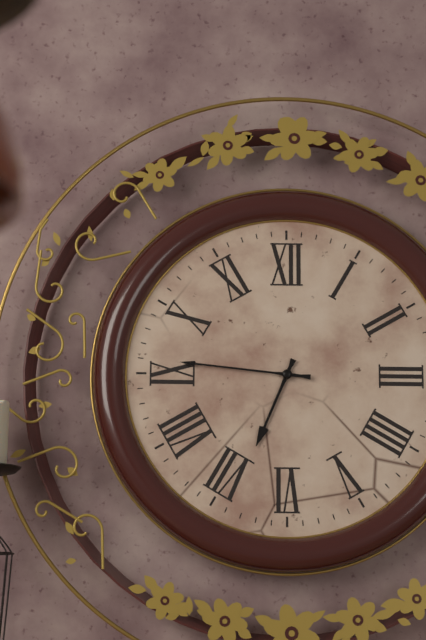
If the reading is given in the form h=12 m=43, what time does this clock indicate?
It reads h=6 m=46
